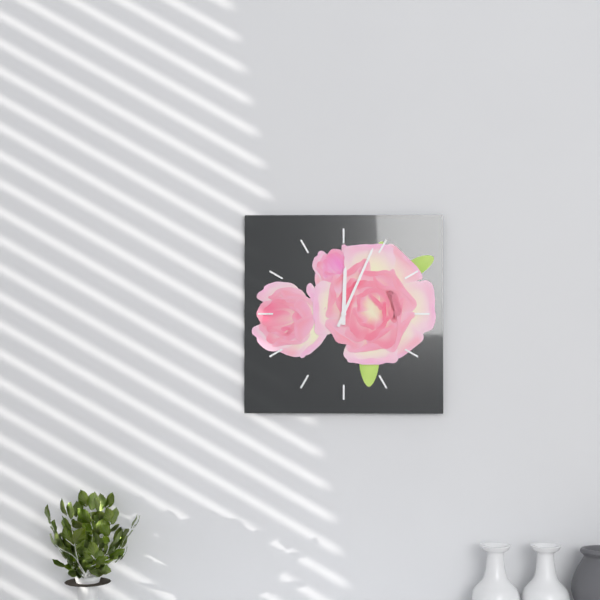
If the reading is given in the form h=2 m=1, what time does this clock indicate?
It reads h=12 m=4
